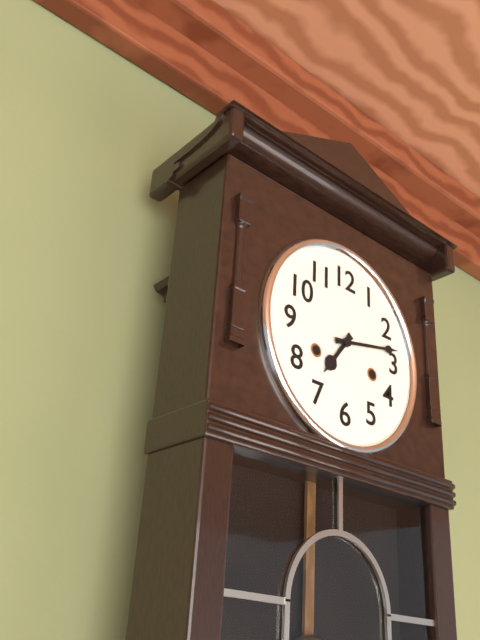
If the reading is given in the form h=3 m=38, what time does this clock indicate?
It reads h=7 m=13
